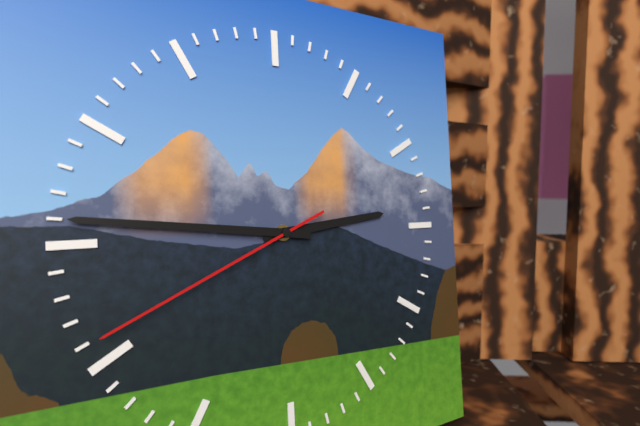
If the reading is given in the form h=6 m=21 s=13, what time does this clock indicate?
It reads h=2 m=46 s=41
